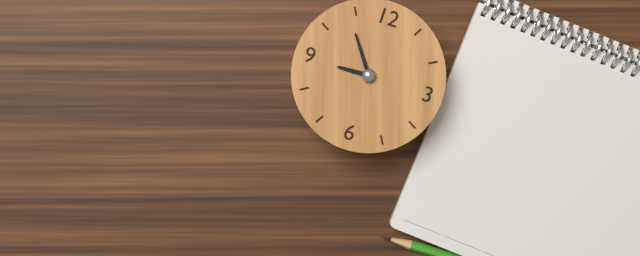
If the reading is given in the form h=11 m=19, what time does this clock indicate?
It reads h=8 m=54
